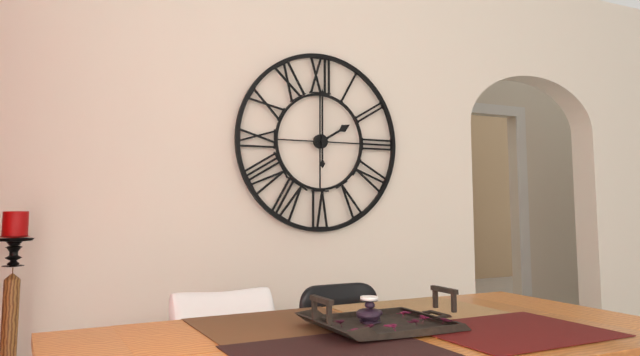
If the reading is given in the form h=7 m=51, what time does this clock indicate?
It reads h=2 m=0
